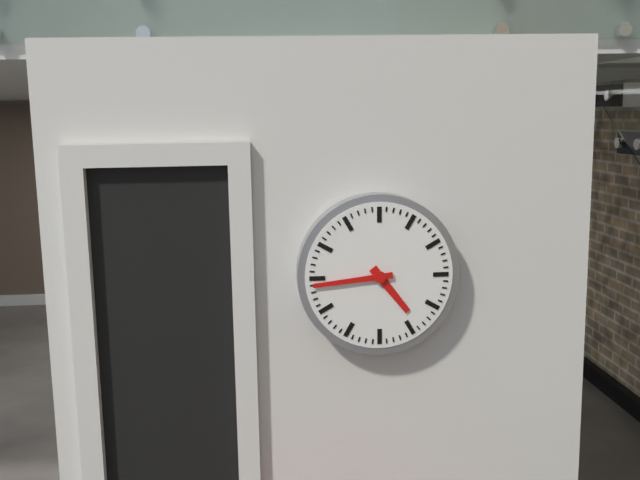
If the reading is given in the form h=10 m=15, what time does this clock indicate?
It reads h=4 m=44
